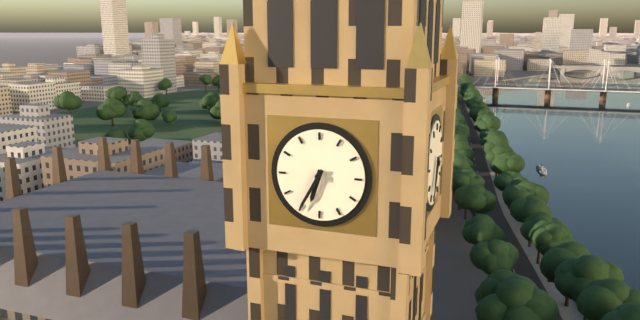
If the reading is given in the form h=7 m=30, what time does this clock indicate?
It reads h=6 m=35
